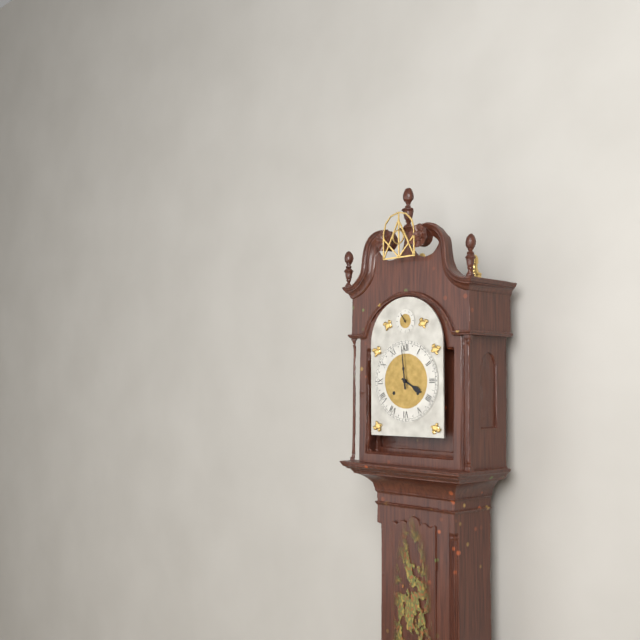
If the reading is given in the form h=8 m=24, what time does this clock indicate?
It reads h=3 m=59
